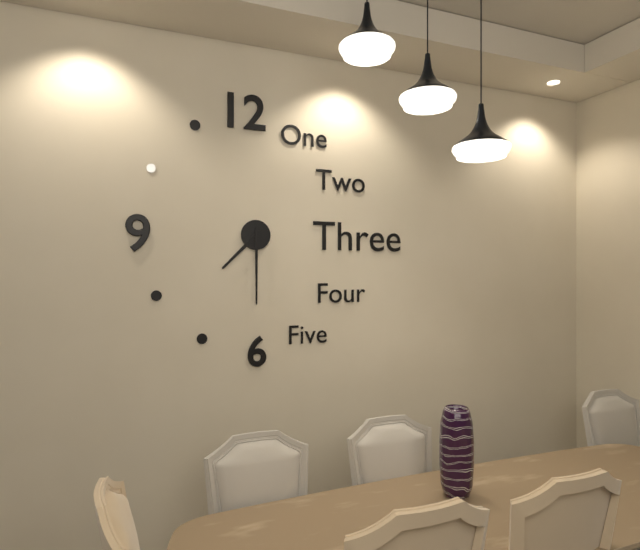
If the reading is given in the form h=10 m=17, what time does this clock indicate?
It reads h=7 m=30
